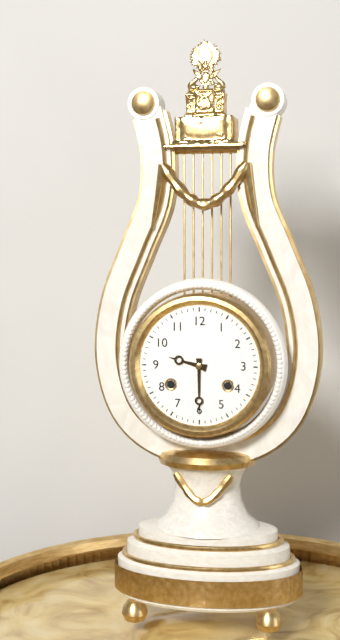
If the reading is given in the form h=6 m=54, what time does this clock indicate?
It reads h=9 m=30
